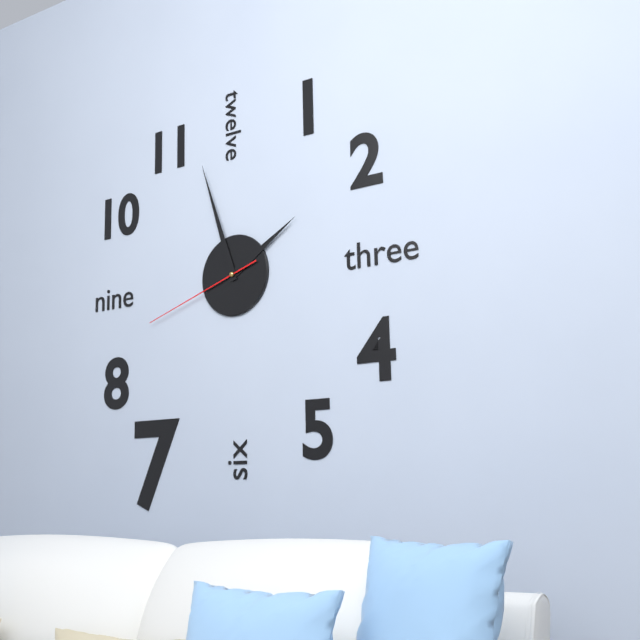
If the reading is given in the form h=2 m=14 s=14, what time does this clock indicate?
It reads h=1 m=57 s=42
